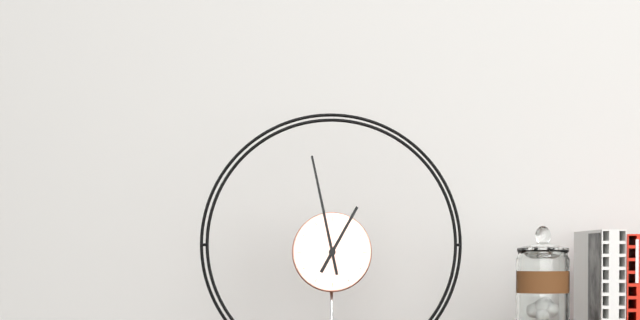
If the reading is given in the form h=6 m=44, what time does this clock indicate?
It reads h=12 m=58
